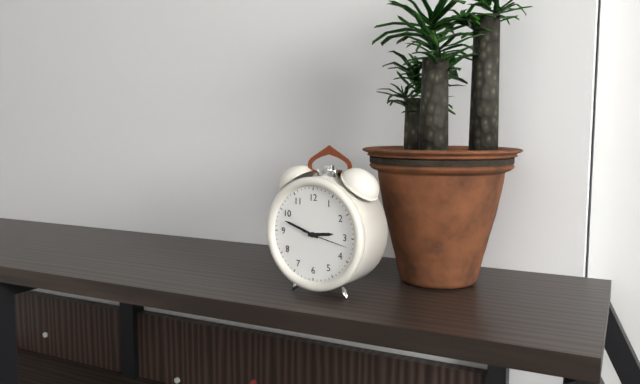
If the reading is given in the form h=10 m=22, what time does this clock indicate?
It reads h=2 m=48
